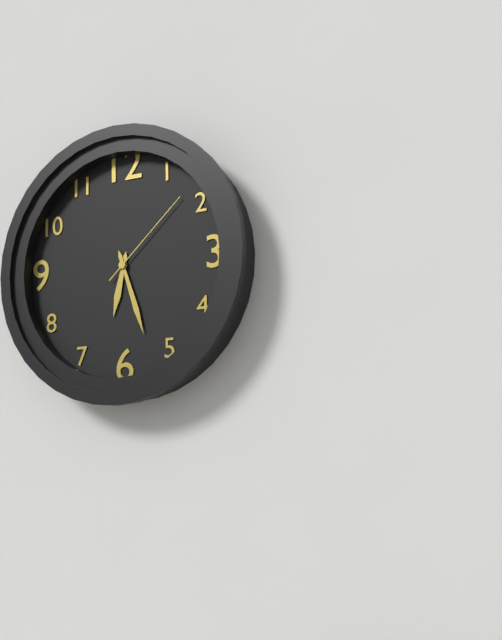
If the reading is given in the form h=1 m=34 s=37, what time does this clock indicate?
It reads h=6 m=27 s=8
